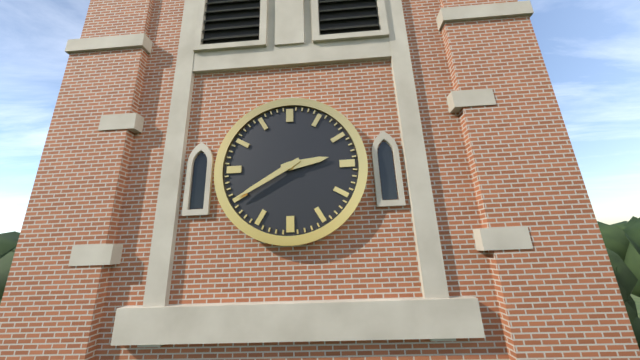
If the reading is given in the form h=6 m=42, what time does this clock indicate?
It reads h=2 m=40
